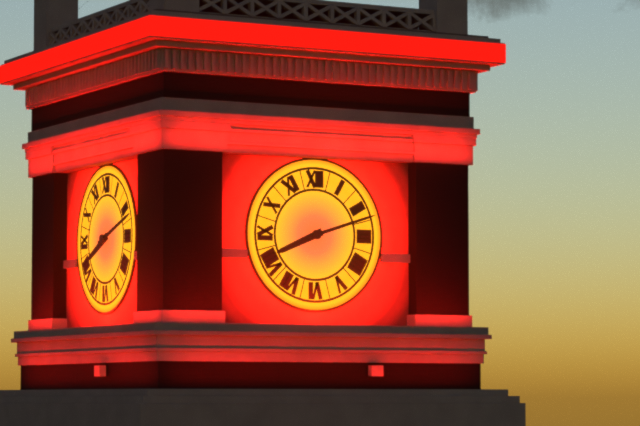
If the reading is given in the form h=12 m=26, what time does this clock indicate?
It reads h=8 m=12
